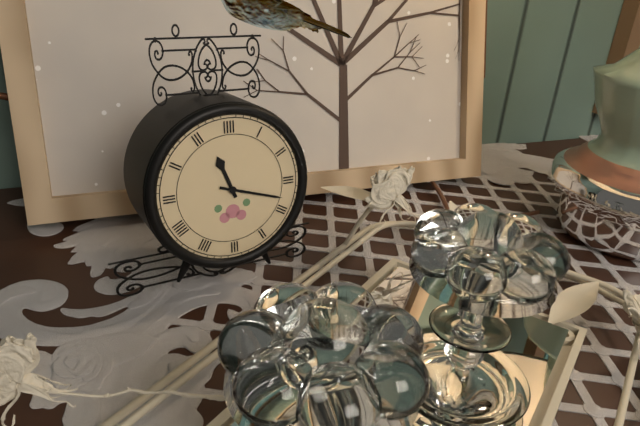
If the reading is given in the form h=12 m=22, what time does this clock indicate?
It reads h=11 m=18
